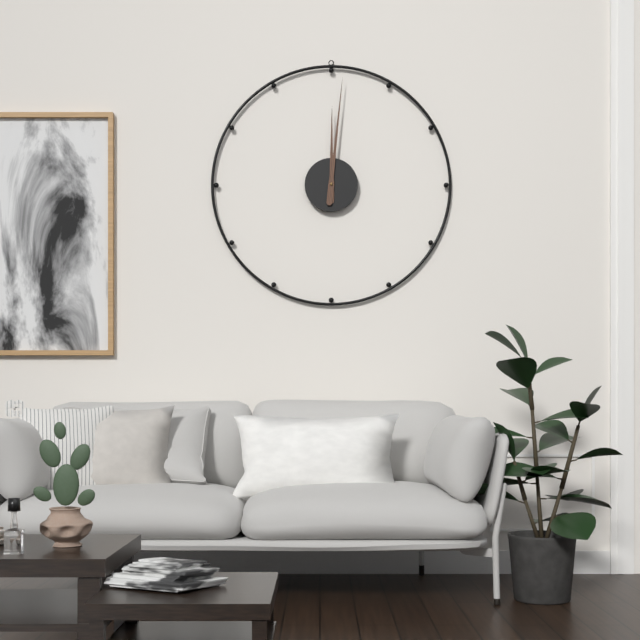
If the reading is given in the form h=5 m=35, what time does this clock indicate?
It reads h=12 m=1
